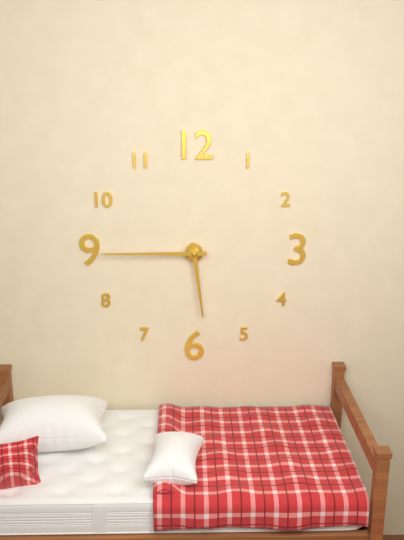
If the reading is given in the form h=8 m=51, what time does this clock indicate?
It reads h=5 m=45
